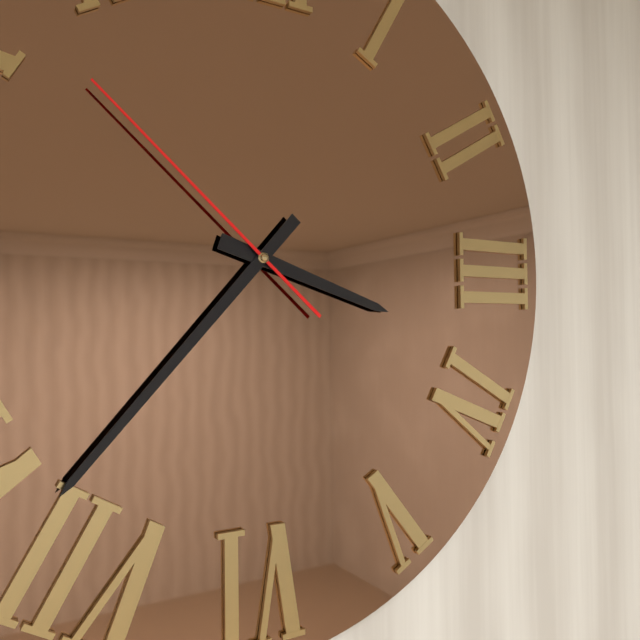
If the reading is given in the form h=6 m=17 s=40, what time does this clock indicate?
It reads h=3 m=37 s=52
